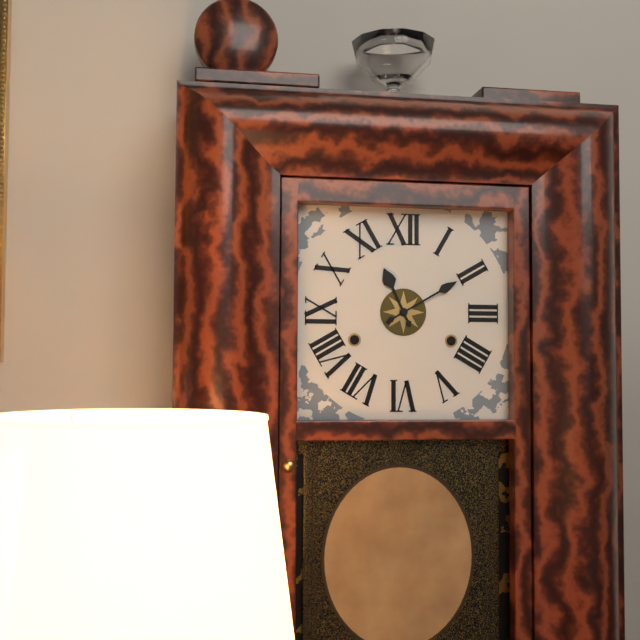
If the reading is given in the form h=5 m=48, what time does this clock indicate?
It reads h=11 m=10
